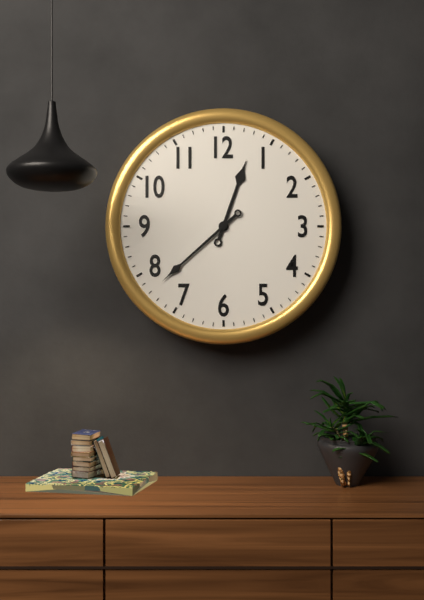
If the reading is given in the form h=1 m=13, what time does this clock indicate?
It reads h=12 m=38
